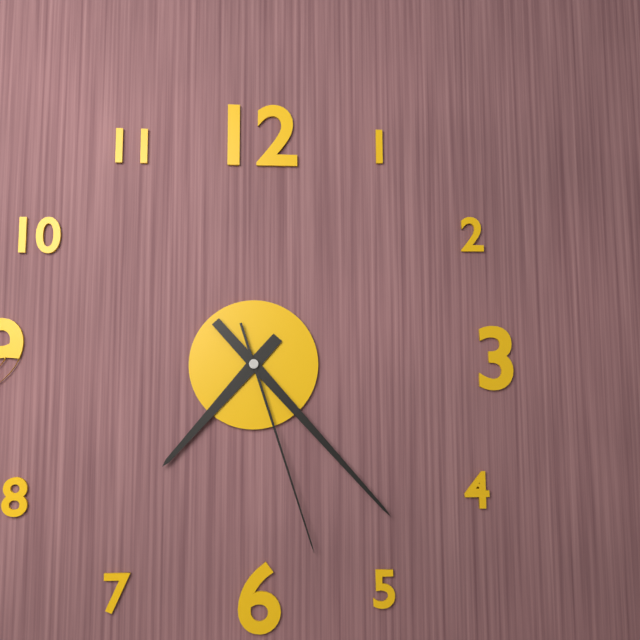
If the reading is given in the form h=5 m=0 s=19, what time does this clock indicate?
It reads h=7 m=23 s=27
